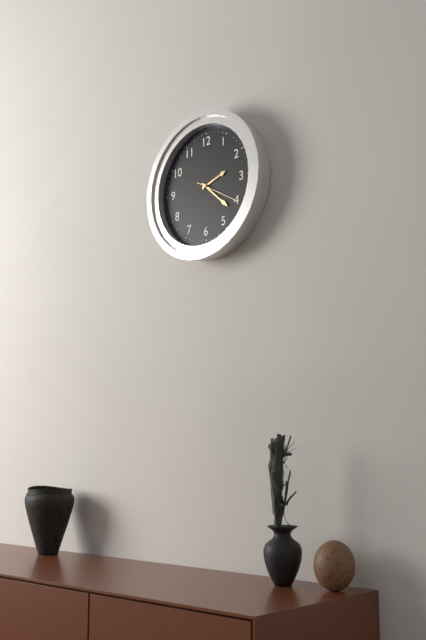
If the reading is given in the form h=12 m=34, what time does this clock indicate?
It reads h=2 m=22
